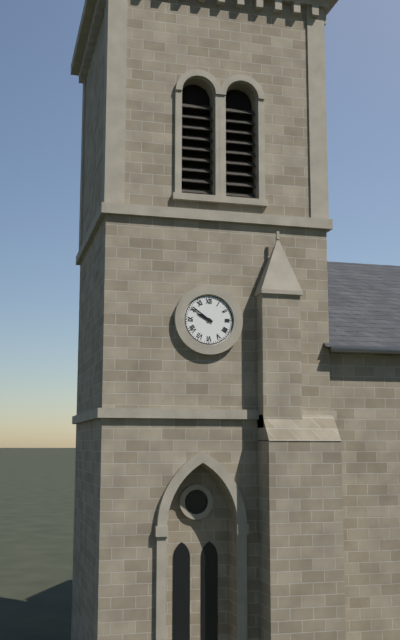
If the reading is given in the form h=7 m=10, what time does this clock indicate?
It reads h=9 m=51
